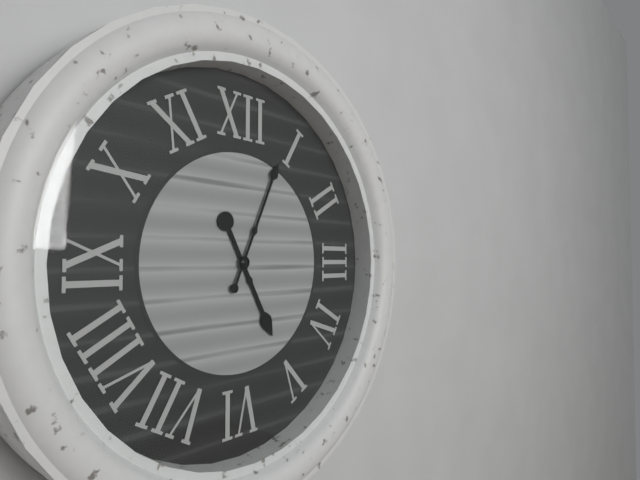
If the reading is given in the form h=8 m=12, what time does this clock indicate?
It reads h=5 m=4
